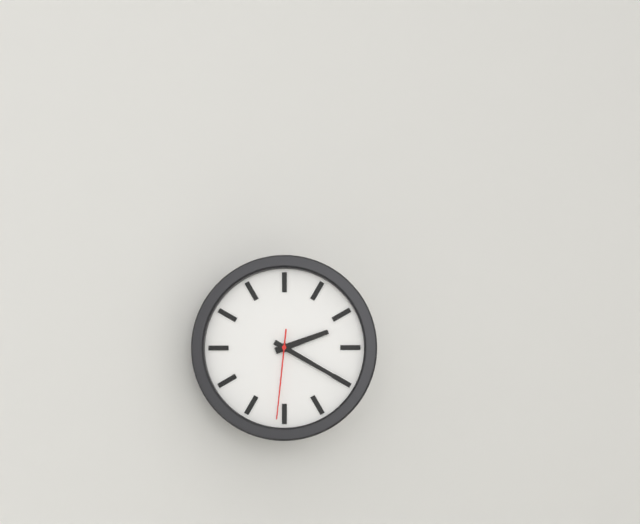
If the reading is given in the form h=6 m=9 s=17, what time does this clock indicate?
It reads h=2 m=20 s=31
